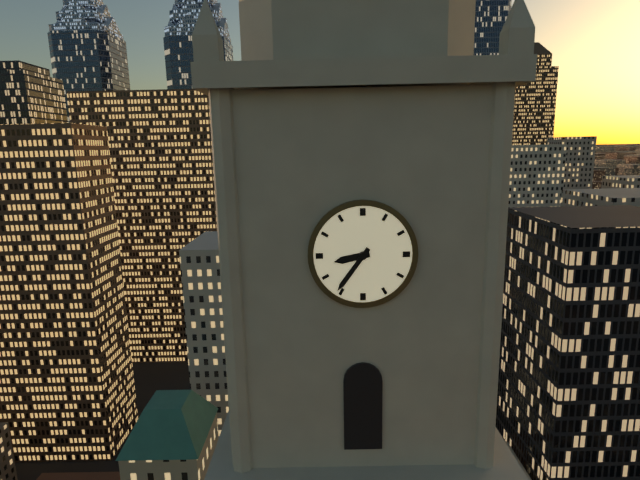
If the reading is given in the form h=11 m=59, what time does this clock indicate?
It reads h=8 m=36
